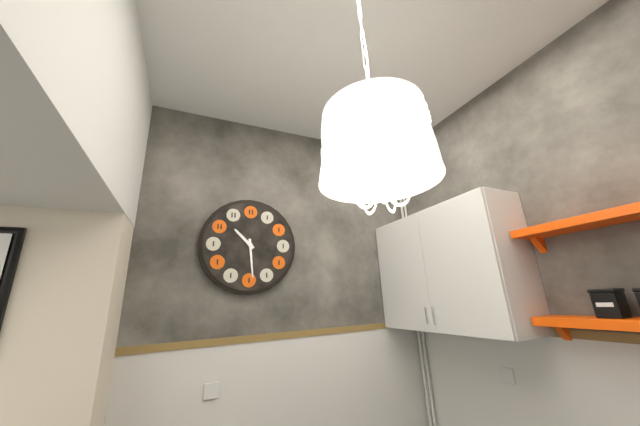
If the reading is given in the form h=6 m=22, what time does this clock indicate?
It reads h=10 m=29
